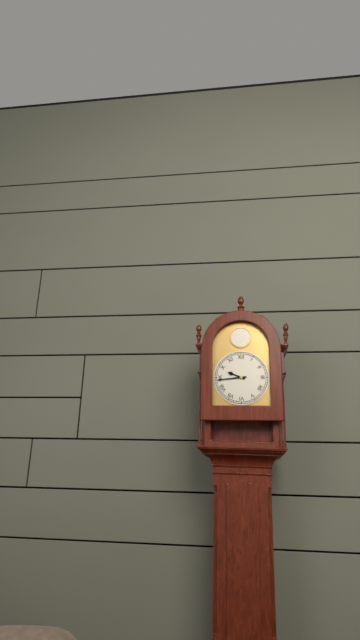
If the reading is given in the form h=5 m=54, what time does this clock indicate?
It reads h=9 m=44
